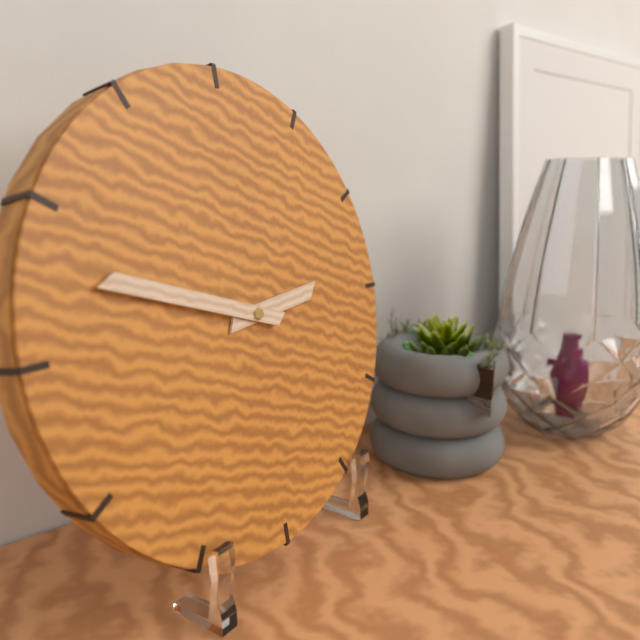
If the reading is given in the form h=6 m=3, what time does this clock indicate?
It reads h=2 m=48
